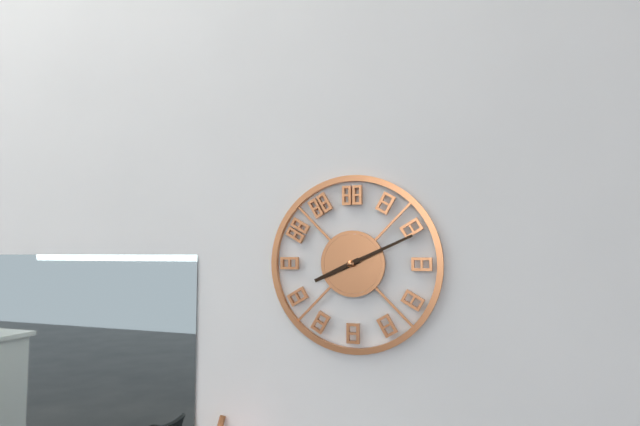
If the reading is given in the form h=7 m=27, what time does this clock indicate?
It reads h=8 m=11
